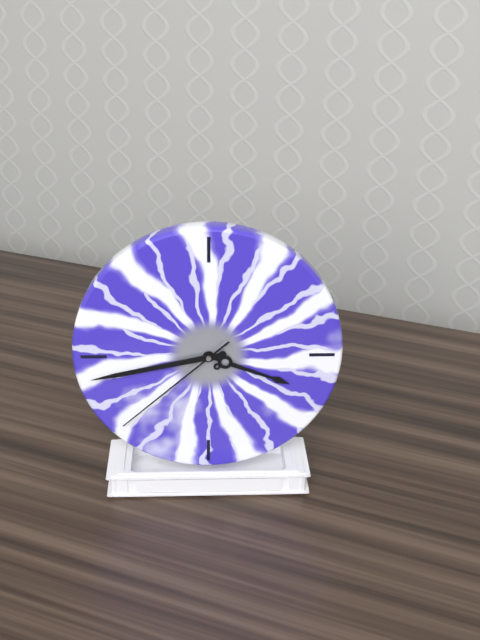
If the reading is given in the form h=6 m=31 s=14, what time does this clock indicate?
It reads h=3 m=43 s=38
